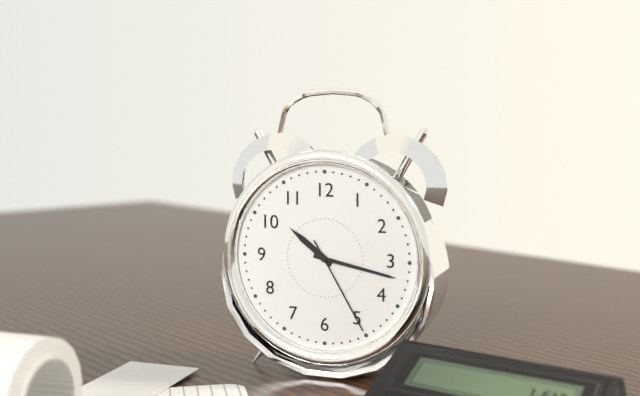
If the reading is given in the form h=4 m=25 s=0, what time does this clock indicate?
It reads h=10 m=17 s=25
